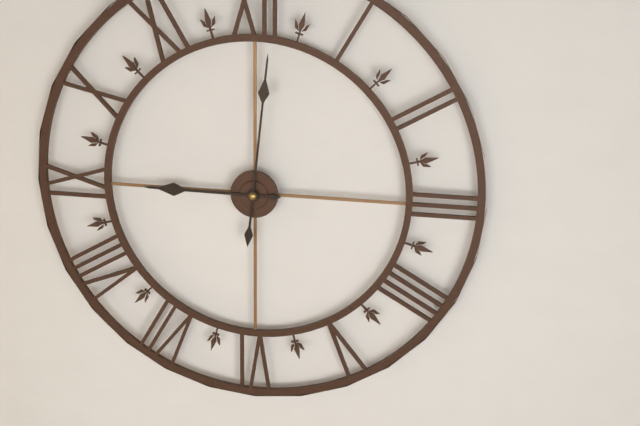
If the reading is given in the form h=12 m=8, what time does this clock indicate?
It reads h=9 m=1
